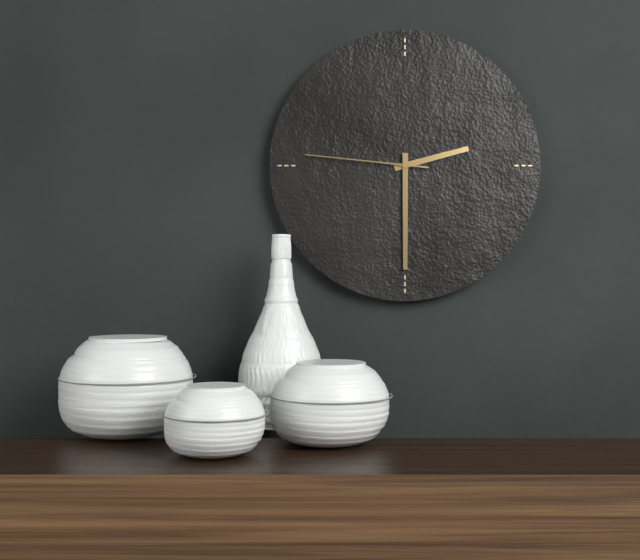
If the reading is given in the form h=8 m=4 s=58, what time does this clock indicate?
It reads h=2 m=30 s=46
